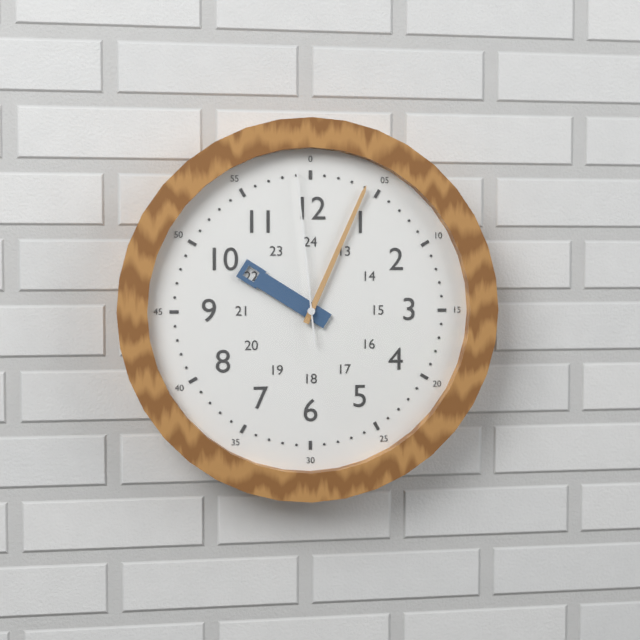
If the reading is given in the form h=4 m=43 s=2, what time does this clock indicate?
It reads h=10 m=4 s=59
